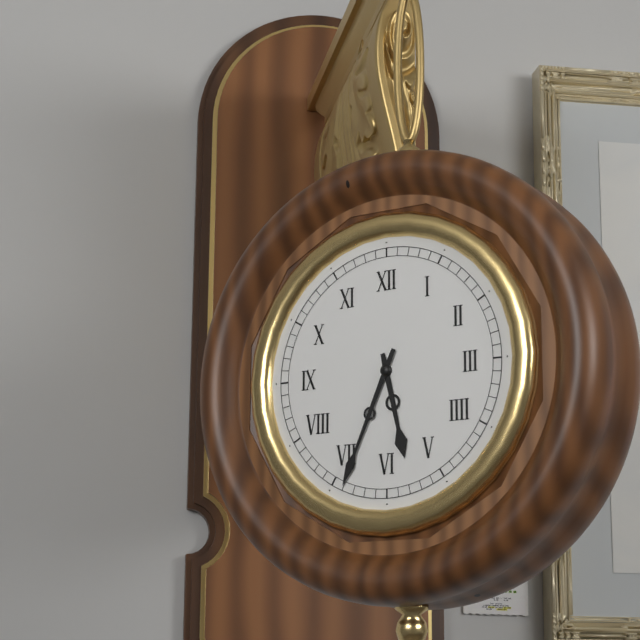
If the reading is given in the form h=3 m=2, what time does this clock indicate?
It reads h=5 m=34
